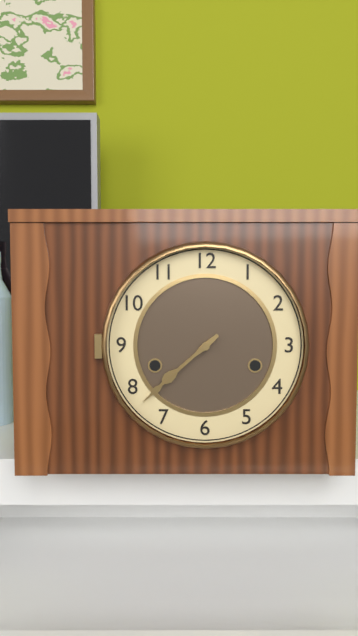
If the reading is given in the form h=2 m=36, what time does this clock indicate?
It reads h=7 m=38
